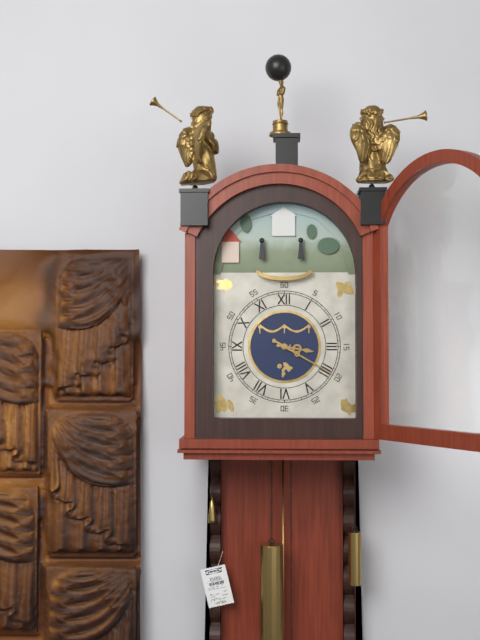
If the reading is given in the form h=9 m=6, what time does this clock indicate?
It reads h=3 m=20
